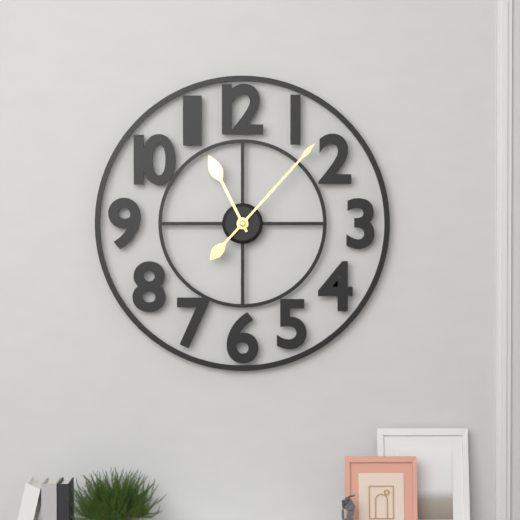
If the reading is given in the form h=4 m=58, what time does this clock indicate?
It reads h=11 m=7
